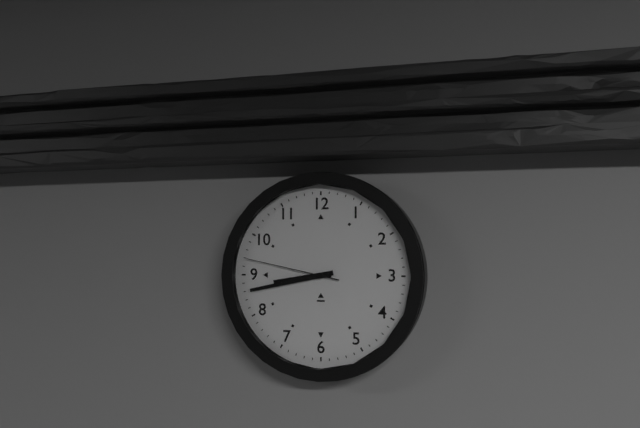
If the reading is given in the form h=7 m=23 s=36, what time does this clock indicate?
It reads h=8 m=43 s=47
